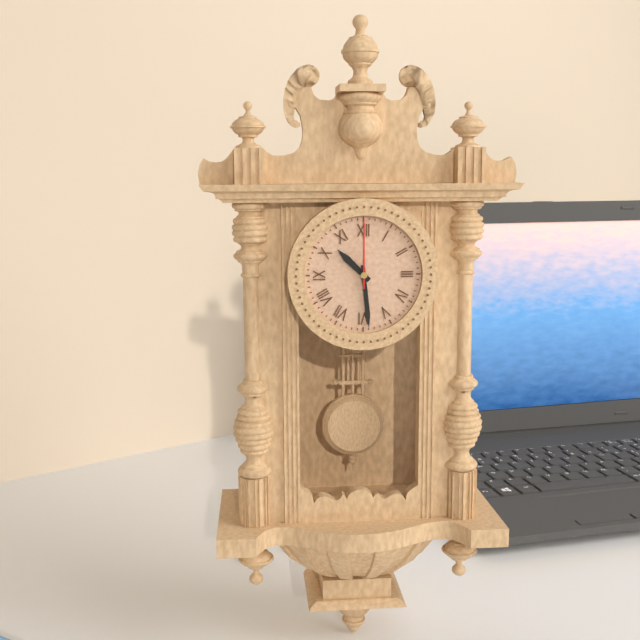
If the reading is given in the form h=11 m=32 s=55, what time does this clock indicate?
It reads h=10 m=29 s=0
